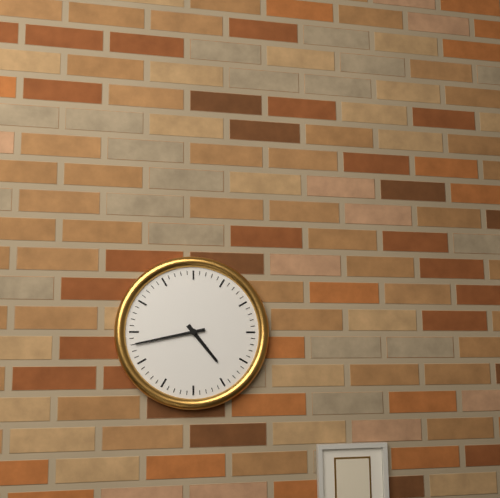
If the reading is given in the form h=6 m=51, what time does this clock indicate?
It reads h=4 m=43
